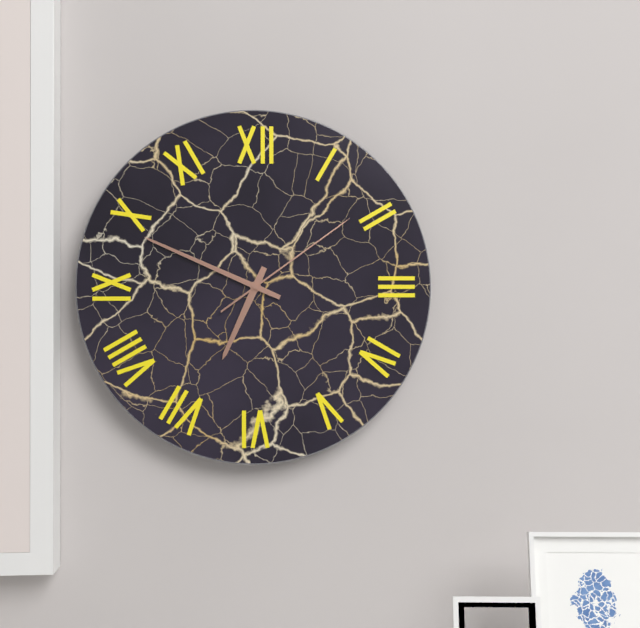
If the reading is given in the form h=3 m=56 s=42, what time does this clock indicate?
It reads h=6 m=49 s=9
